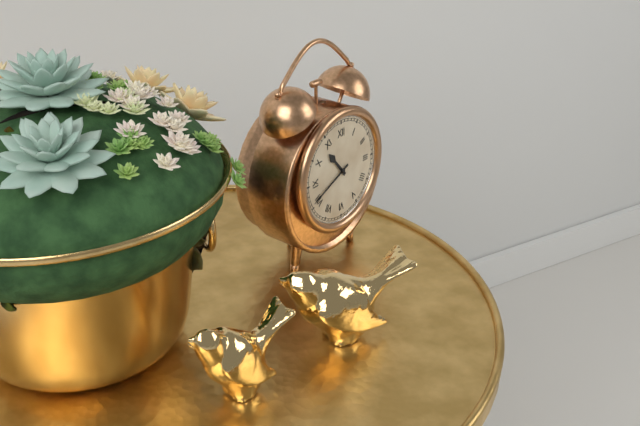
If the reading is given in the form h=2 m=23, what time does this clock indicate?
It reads h=10 m=41
